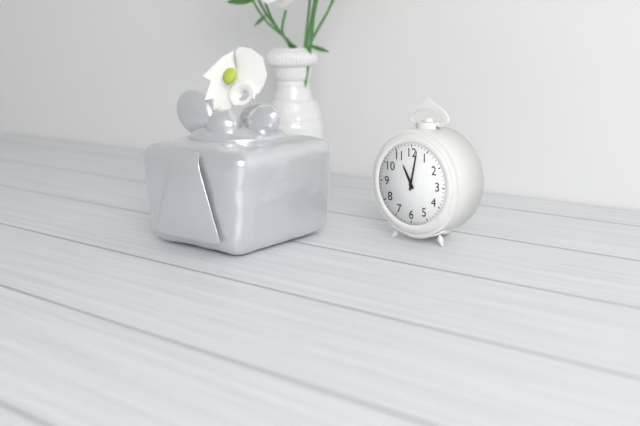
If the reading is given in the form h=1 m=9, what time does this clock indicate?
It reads h=11 m=2
